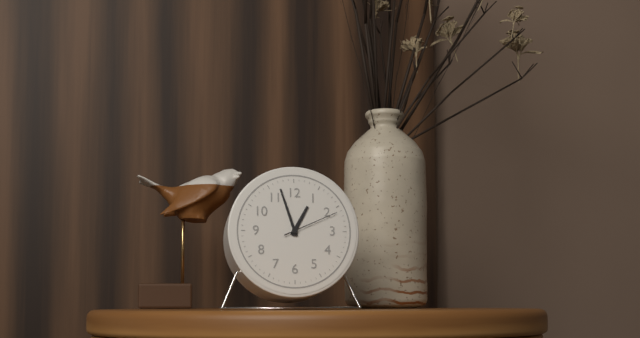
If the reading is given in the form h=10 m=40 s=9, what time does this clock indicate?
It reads h=12 m=57 s=11
